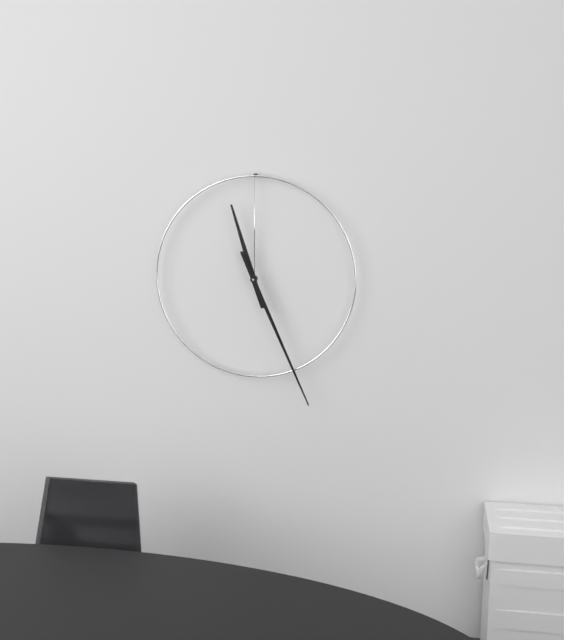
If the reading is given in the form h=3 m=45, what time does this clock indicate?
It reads h=11 m=26
